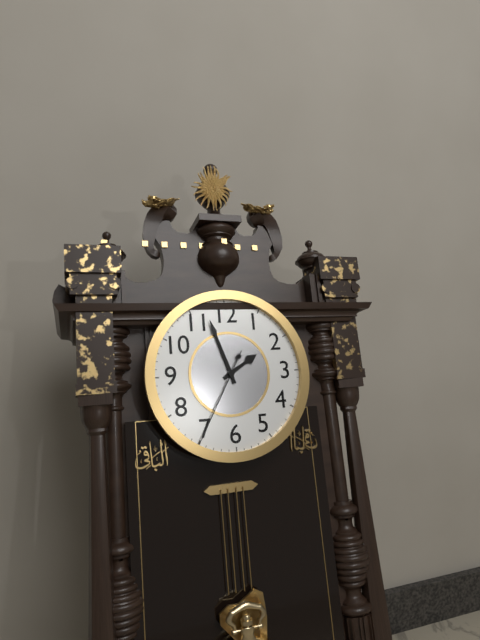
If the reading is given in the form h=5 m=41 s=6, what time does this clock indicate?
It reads h=1 m=57 s=35
